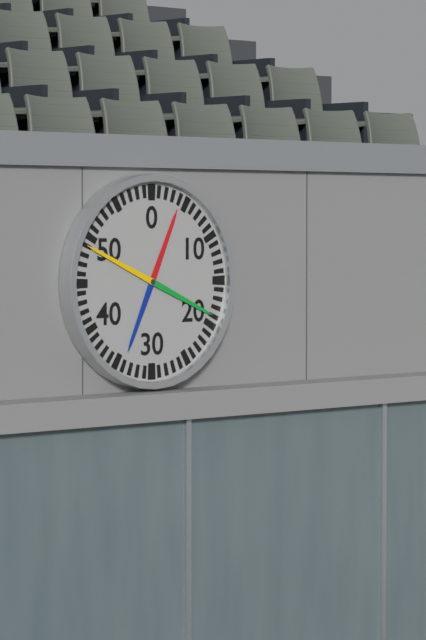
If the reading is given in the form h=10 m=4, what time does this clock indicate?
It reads h=12 m=49
